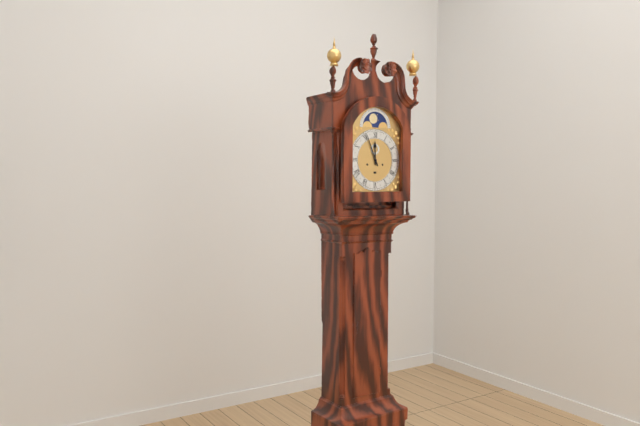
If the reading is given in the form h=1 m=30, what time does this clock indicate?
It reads h=11 m=56
